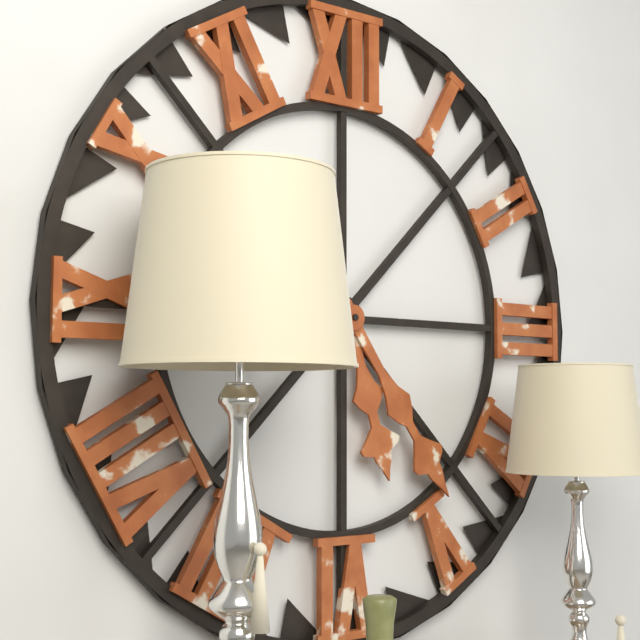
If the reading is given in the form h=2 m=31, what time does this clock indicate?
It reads h=5 m=24
